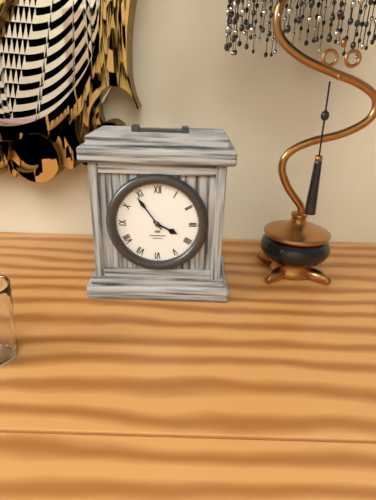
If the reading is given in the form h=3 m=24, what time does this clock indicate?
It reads h=3 m=54
